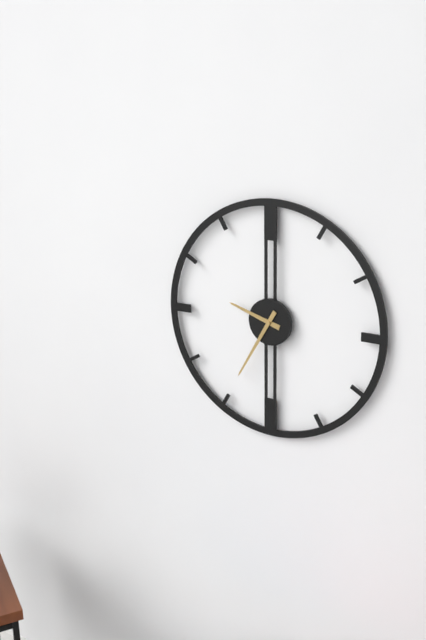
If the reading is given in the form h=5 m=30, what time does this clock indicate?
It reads h=9 m=35
